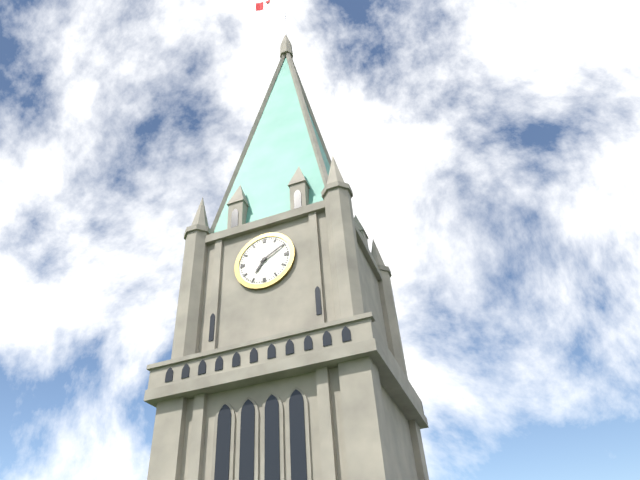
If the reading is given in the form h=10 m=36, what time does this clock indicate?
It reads h=7 m=10
